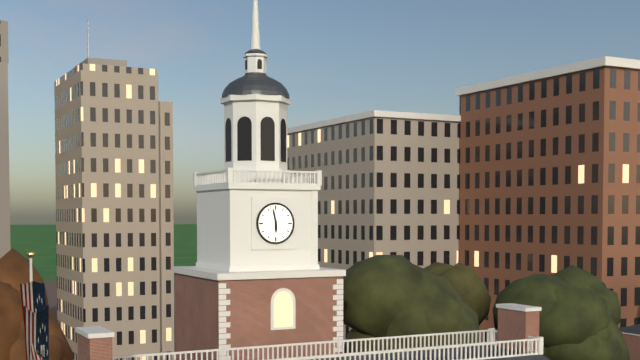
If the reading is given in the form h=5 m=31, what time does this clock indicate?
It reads h=5 m=58
